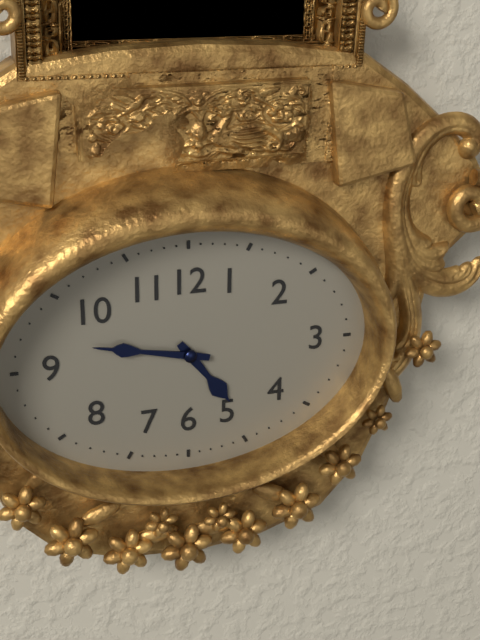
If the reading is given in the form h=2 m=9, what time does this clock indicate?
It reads h=4 m=47
